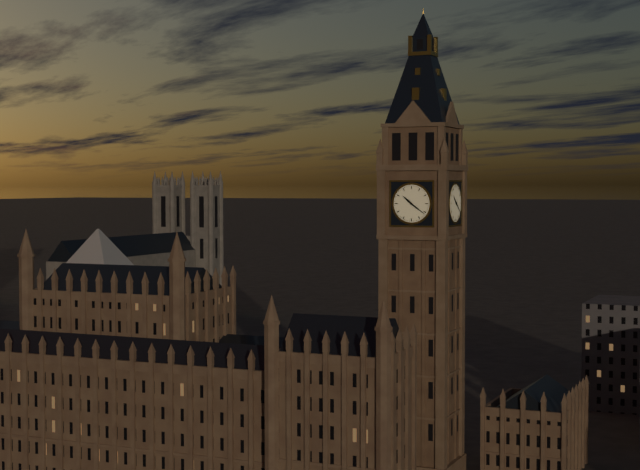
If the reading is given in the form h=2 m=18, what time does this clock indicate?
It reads h=10 m=21
